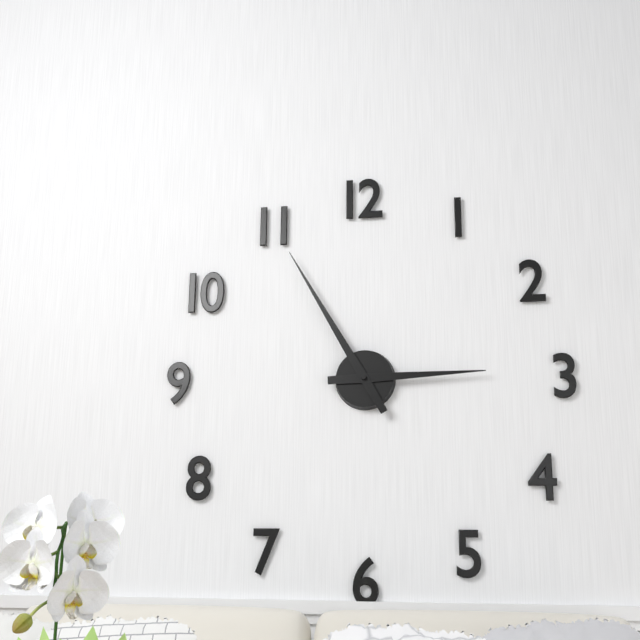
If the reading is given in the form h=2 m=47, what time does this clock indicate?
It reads h=2 m=55
